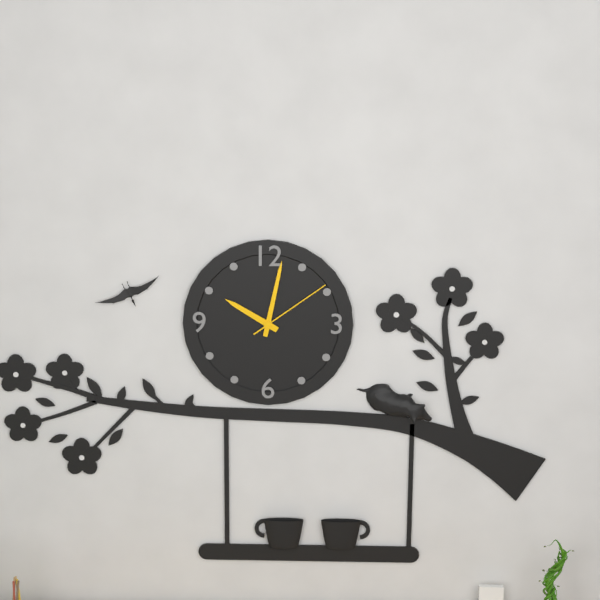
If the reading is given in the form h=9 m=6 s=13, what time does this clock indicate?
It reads h=10 m=2 s=9
